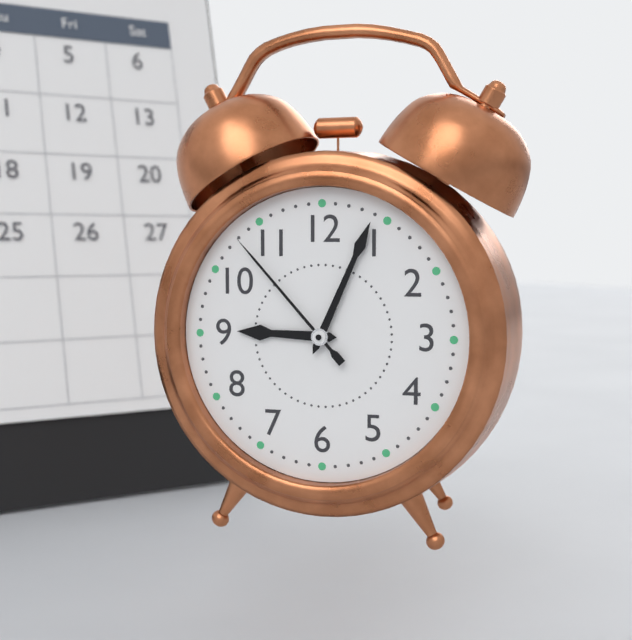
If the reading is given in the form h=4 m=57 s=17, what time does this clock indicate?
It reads h=9 m=4 s=53
